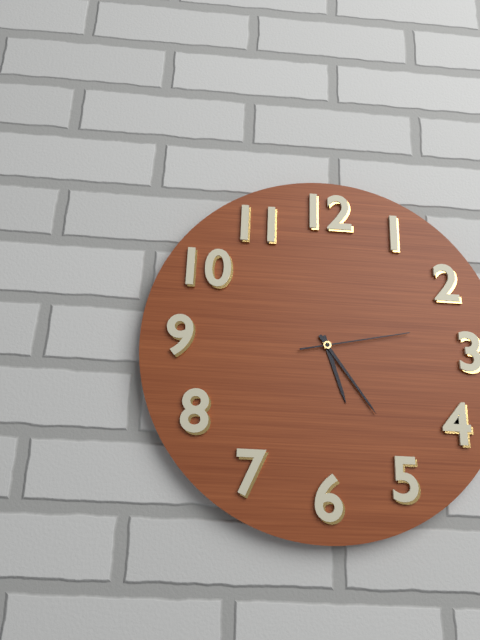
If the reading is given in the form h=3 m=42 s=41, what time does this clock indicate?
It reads h=5 m=24 s=13
